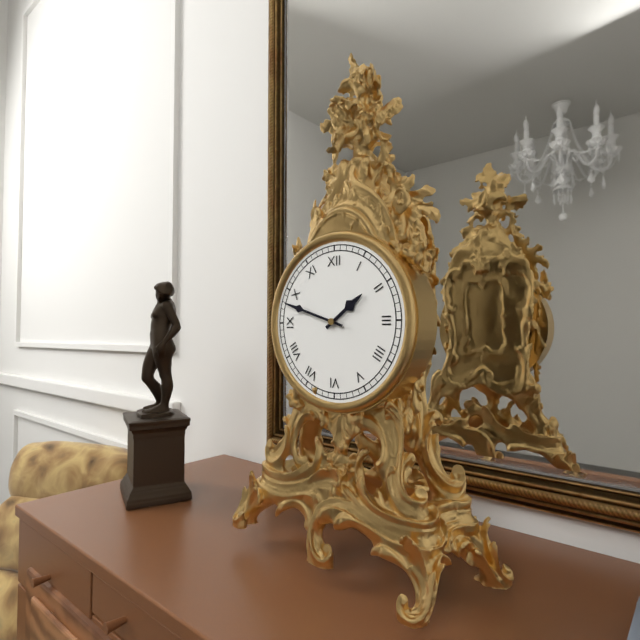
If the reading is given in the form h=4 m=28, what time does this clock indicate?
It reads h=1 m=48
